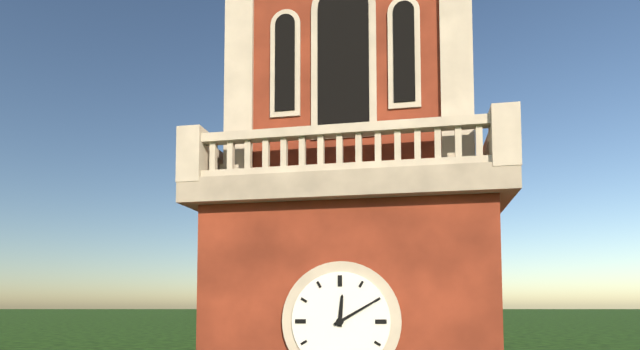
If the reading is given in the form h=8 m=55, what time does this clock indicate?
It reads h=12 m=10
